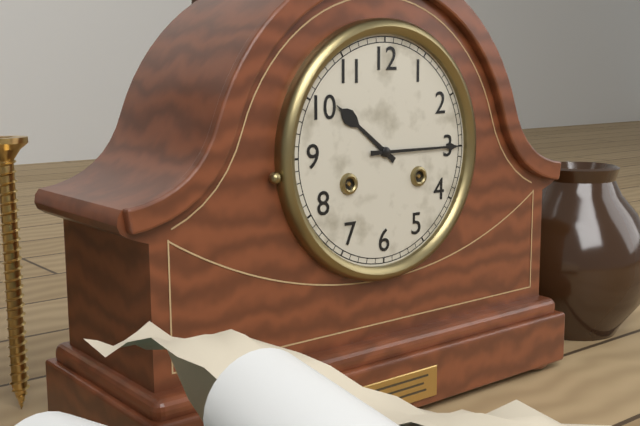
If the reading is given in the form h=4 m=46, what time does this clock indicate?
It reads h=10 m=15
